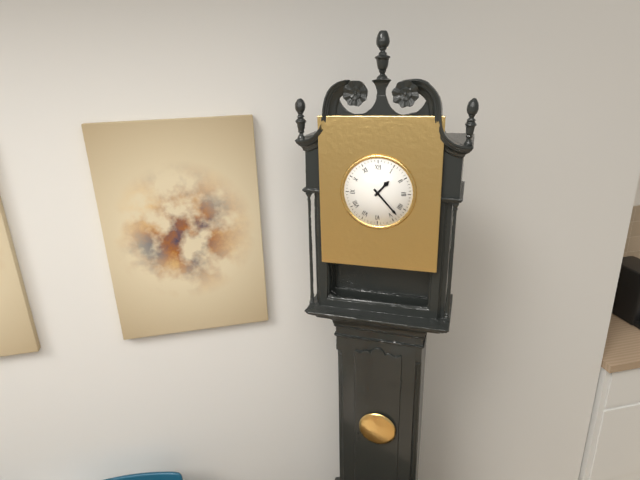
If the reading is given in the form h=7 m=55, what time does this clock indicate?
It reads h=1 m=23
